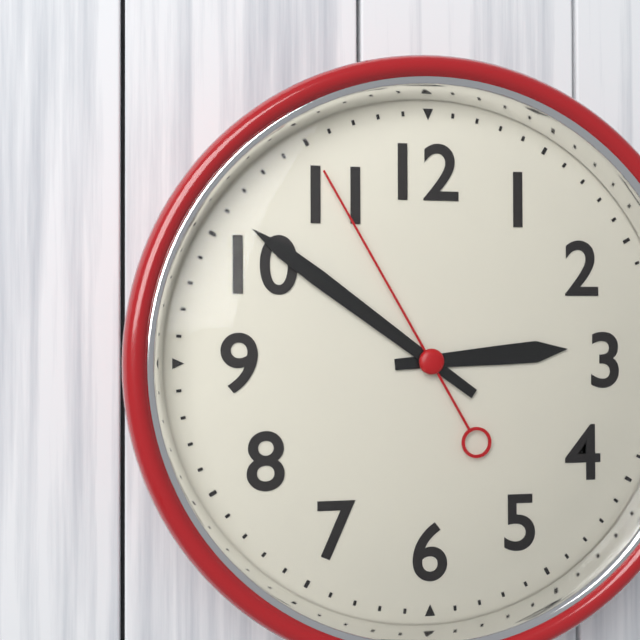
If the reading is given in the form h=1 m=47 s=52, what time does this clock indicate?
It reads h=2 m=51 s=55
